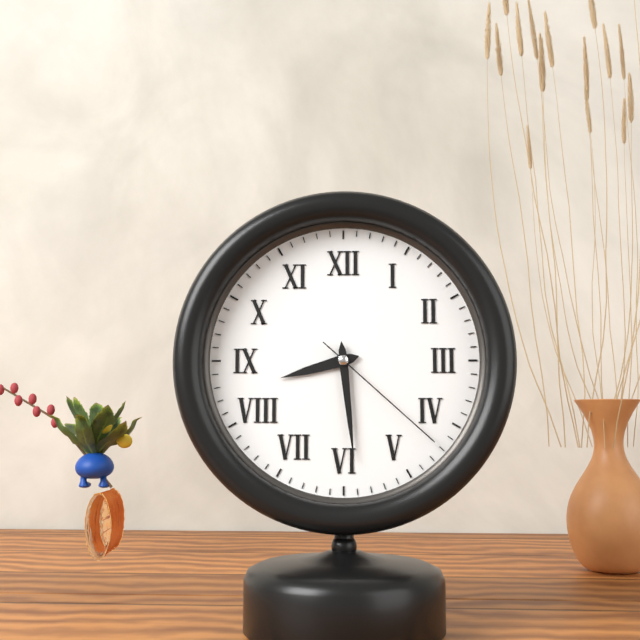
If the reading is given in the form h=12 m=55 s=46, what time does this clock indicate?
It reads h=8 m=29 s=22
